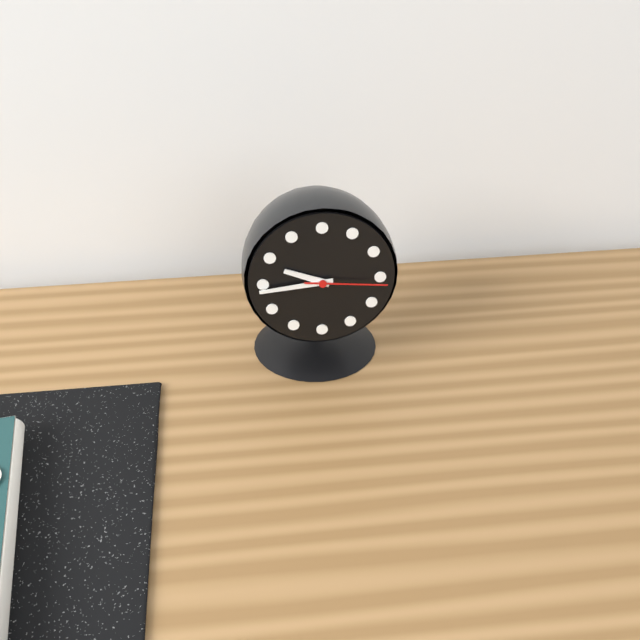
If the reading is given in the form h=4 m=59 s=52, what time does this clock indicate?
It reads h=9 m=44 s=16
